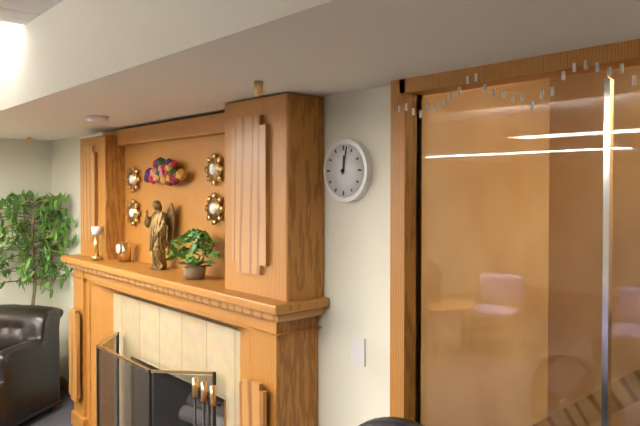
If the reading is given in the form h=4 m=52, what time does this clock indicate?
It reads h=12 m=2
